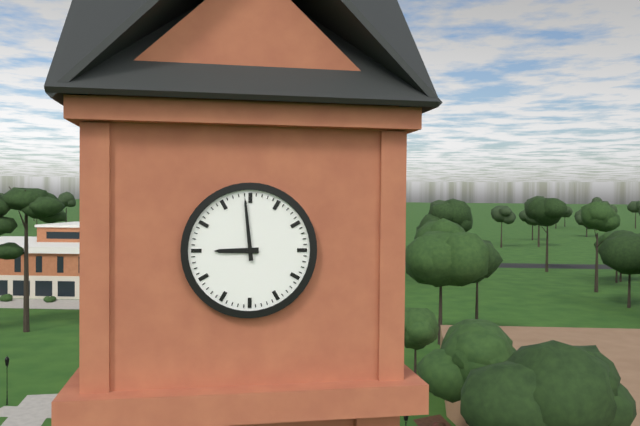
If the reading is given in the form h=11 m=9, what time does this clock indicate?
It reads h=8 m=59
